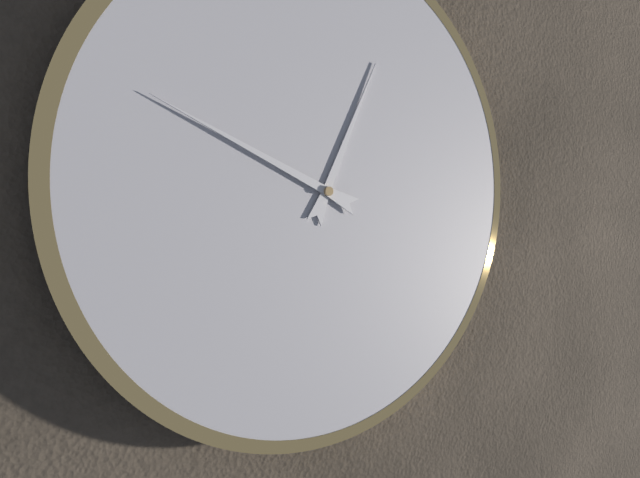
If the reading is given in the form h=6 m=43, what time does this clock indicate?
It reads h=12 m=49
